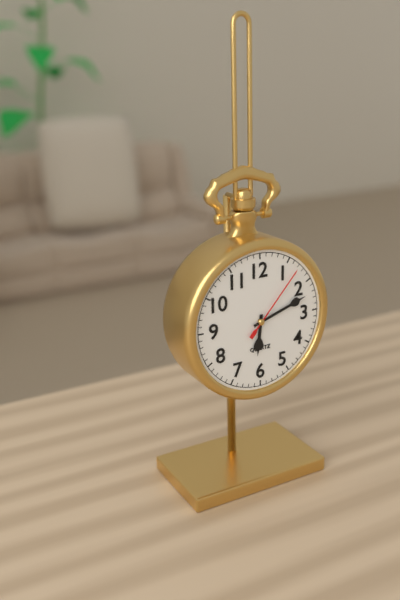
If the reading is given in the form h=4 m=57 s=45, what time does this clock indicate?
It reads h=6 m=12 s=7
